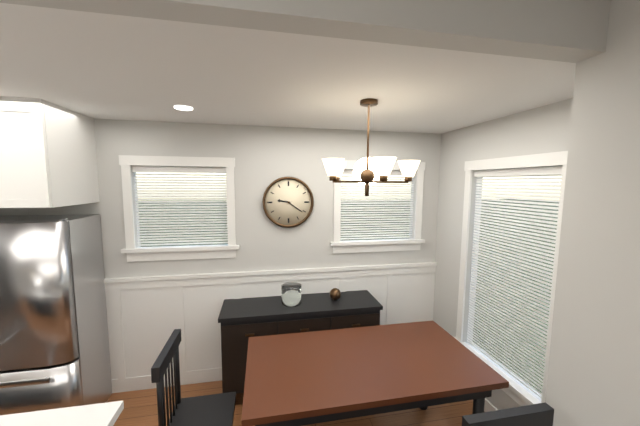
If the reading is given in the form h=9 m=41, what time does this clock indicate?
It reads h=9 m=21
